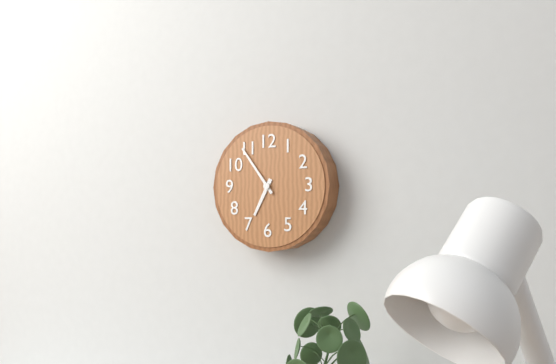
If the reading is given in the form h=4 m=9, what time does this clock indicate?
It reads h=6 m=54
